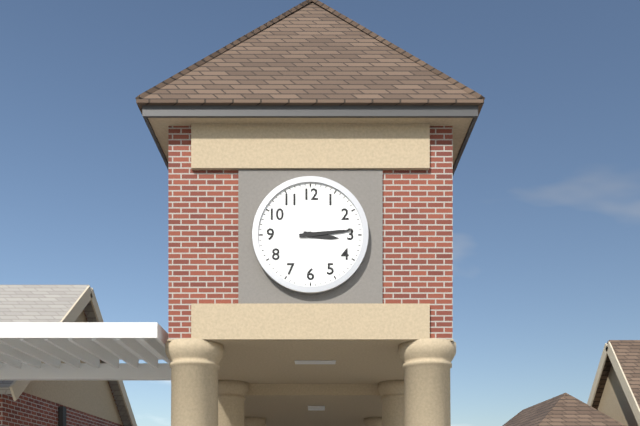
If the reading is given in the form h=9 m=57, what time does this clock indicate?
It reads h=3 m=14
